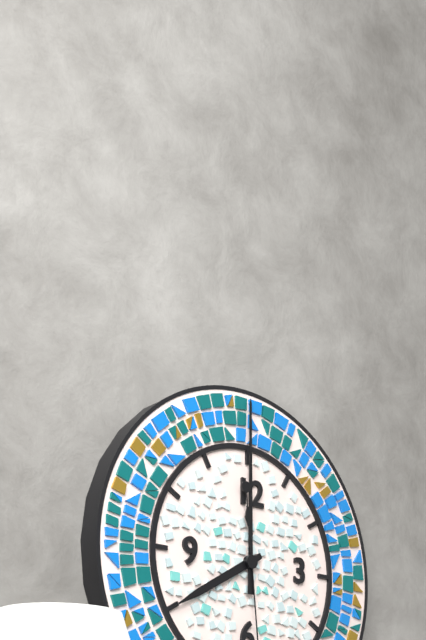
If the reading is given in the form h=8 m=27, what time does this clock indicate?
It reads h=8 m=0
